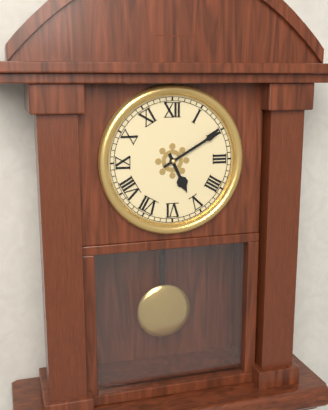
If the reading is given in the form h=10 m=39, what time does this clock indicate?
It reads h=5 m=10
